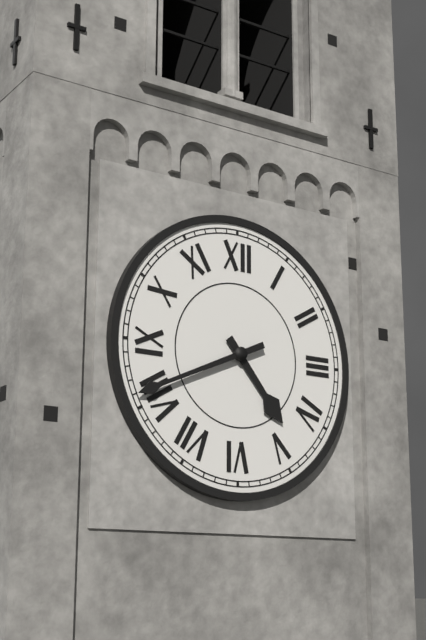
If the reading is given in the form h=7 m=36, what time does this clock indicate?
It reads h=4 m=41
